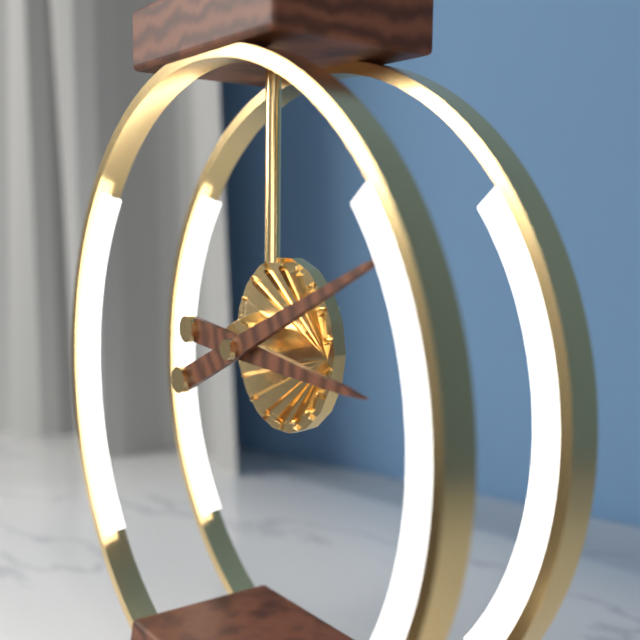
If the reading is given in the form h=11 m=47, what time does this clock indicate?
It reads h=3 m=11
